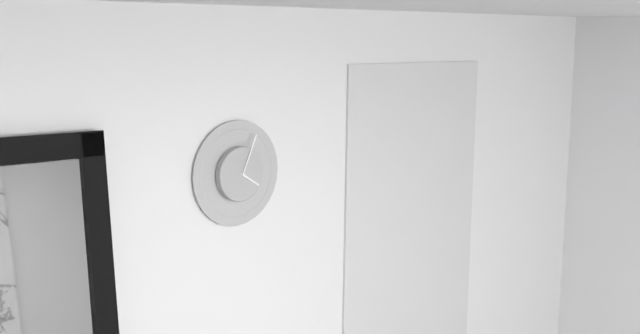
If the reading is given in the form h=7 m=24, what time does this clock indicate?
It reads h=4 m=4
